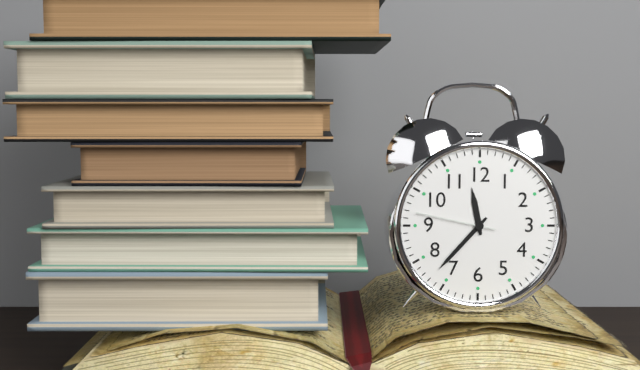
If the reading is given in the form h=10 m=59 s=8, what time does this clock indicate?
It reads h=11 m=37 s=47
